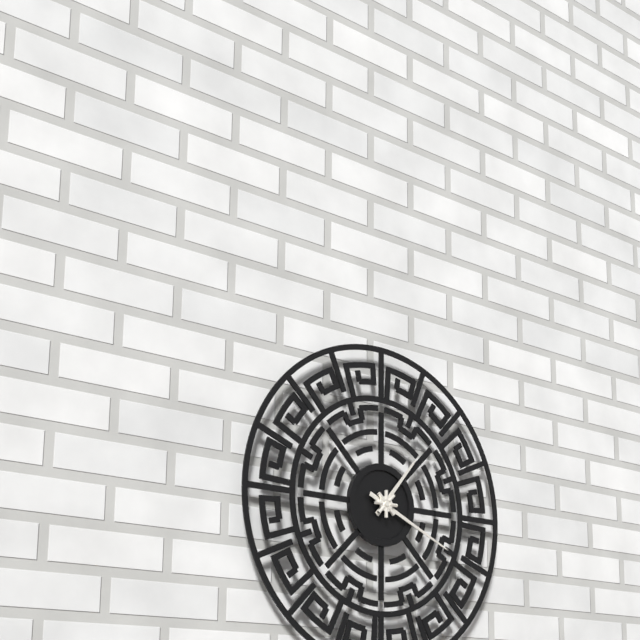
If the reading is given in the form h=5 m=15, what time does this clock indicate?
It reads h=1 m=19
